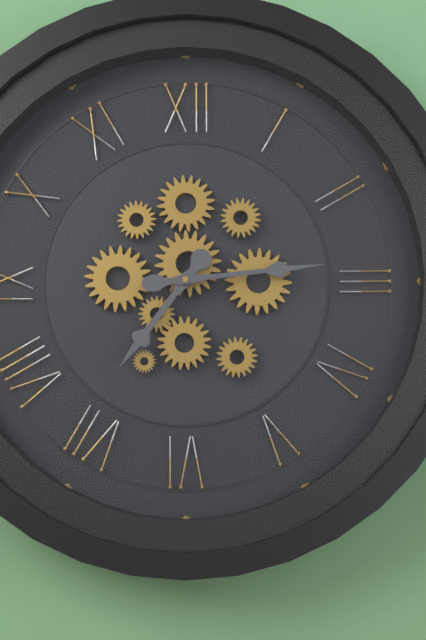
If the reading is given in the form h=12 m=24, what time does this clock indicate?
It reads h=7 m=14
